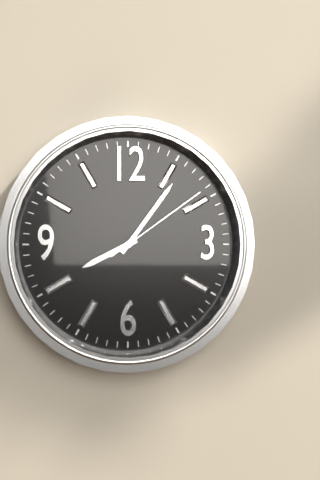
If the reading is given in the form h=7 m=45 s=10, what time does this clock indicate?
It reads h=8 m=6 s=9
